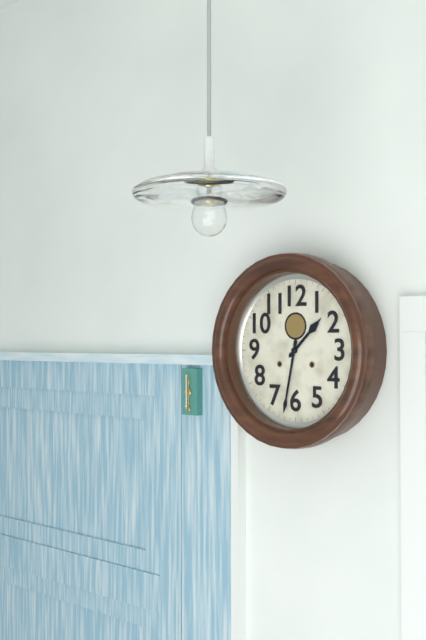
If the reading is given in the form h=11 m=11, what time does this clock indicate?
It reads h=1 m=32
